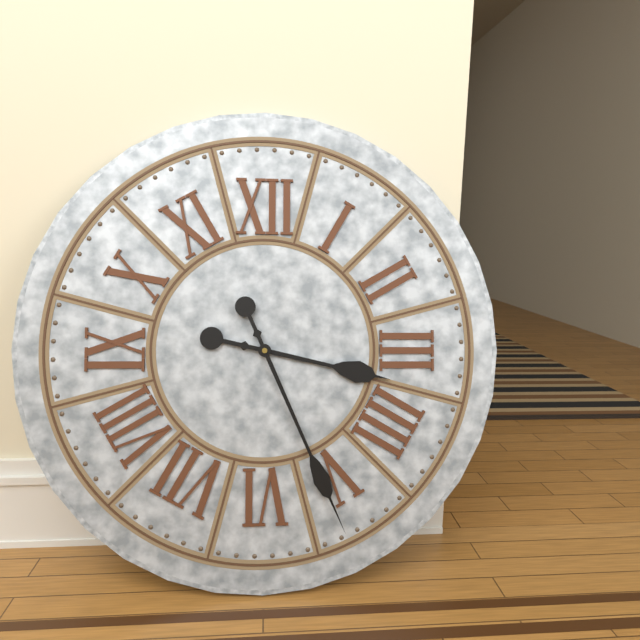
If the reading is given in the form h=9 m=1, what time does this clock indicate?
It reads h=3 m=26
